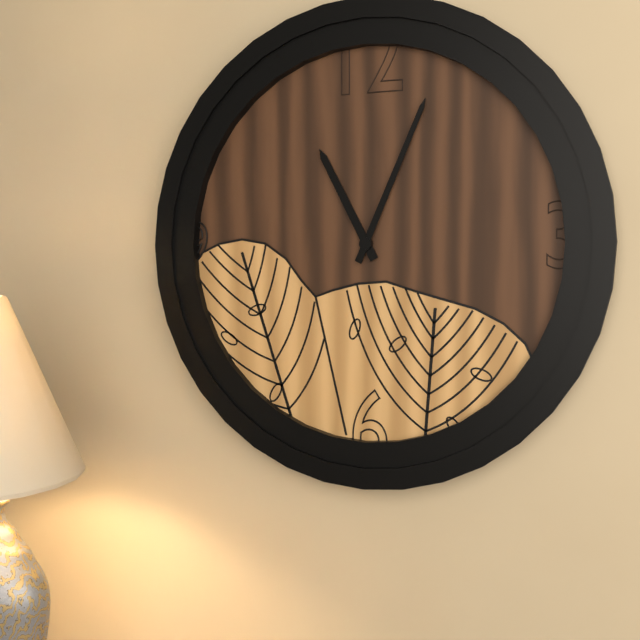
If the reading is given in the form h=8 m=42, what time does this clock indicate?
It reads h=11 m=4
